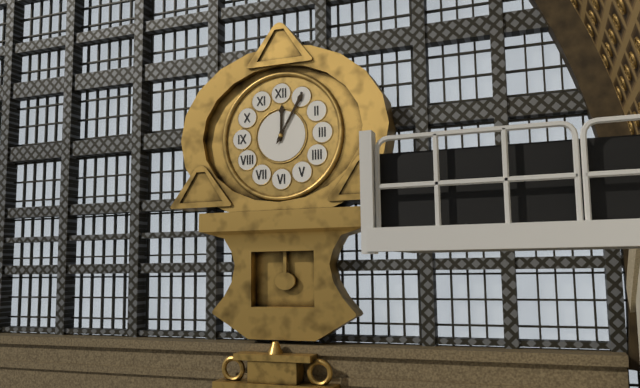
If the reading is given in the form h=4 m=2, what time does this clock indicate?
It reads h=12 m=5
